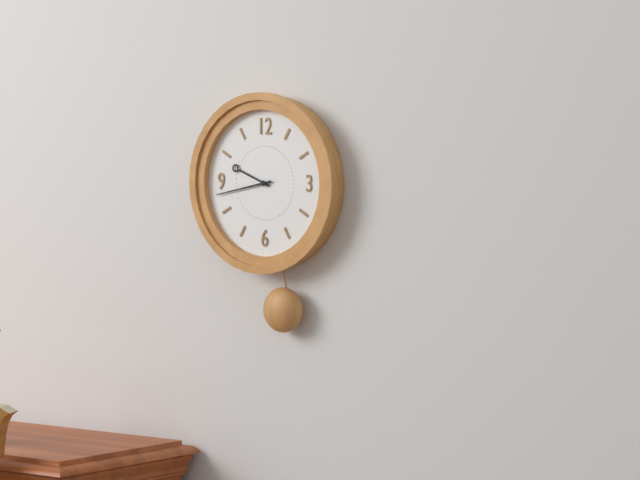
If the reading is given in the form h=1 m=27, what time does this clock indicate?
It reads h=9 m=43
